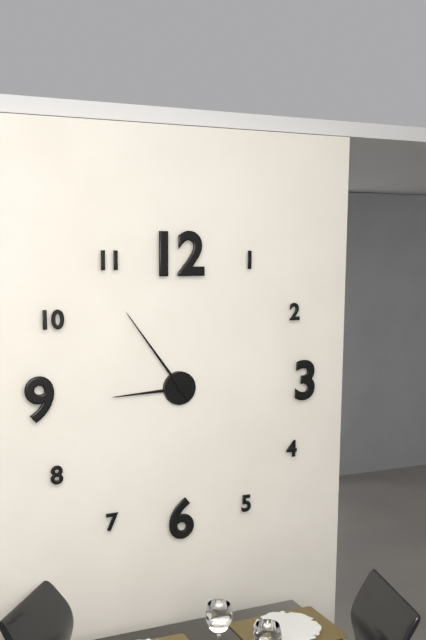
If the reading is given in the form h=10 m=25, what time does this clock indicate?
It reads h=8 m=54
